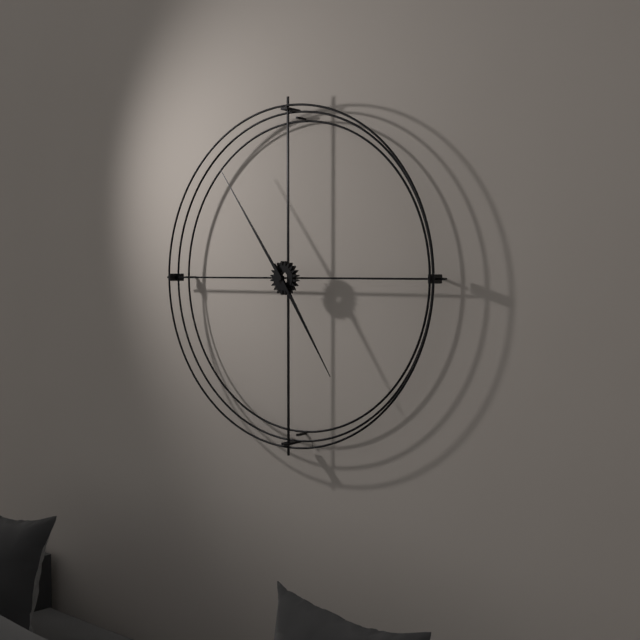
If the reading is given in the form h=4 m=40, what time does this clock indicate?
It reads h=4 m=54
